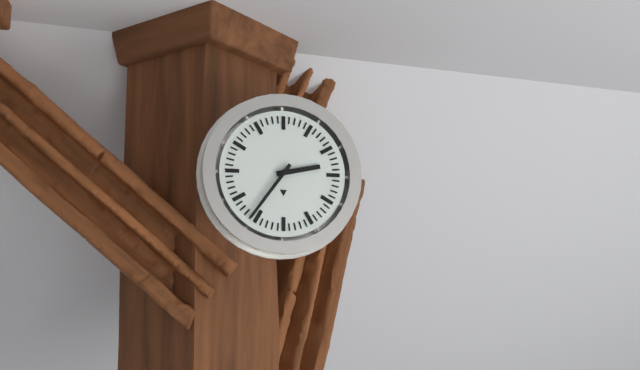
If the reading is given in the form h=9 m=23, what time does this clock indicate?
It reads h=2 m=36
